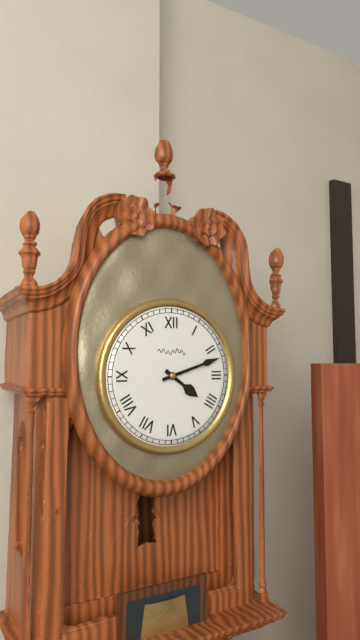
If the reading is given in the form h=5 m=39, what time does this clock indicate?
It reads h=4 m=12
